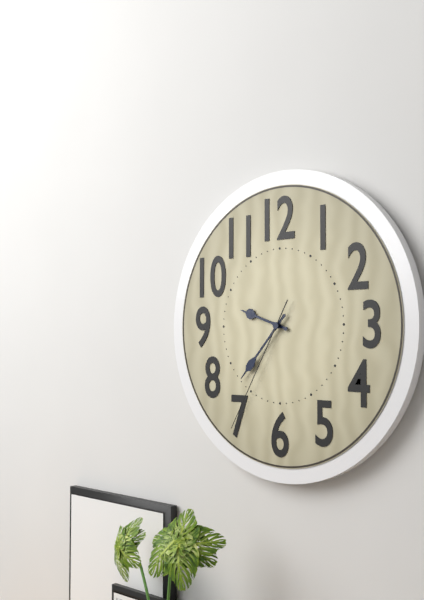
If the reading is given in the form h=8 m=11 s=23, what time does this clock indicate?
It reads h=9 m=37 s=35
